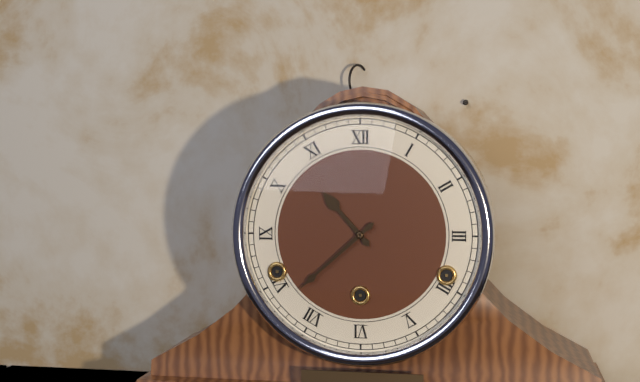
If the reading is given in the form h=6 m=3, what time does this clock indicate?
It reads h=10 m=38
